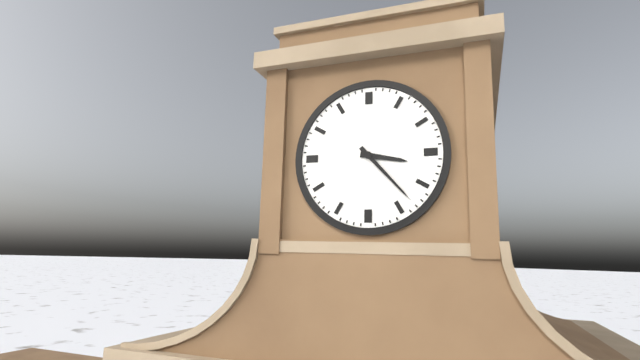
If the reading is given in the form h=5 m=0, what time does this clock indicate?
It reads h=3 m=23
